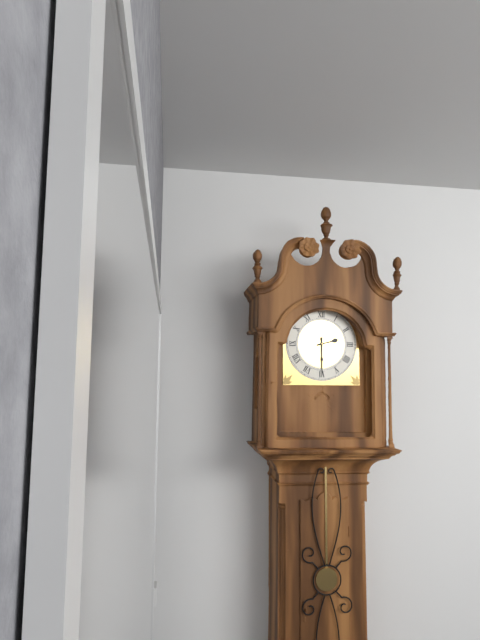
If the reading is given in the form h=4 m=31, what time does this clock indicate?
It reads h=2 m=30
